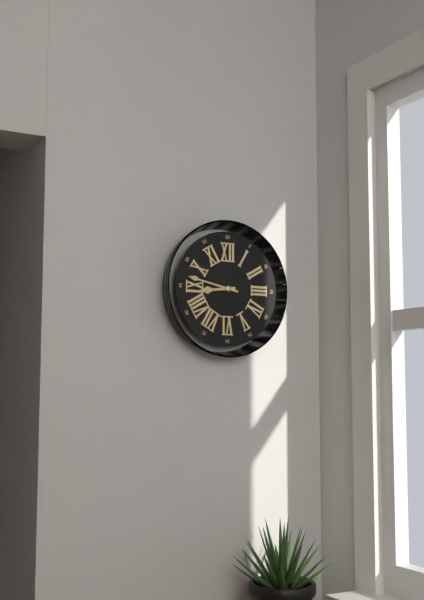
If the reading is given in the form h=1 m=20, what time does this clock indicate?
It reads h=8 m=47
